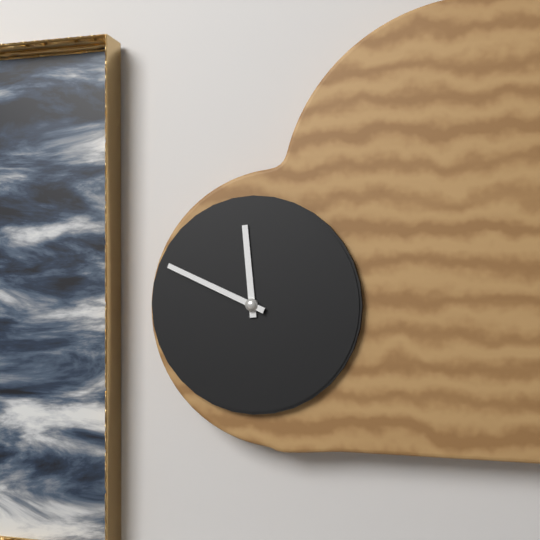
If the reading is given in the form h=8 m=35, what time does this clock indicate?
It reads h=11 m=49
